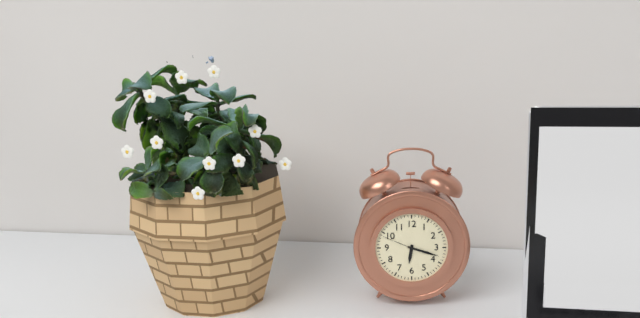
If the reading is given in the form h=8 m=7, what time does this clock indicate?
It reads h=6 m=18
